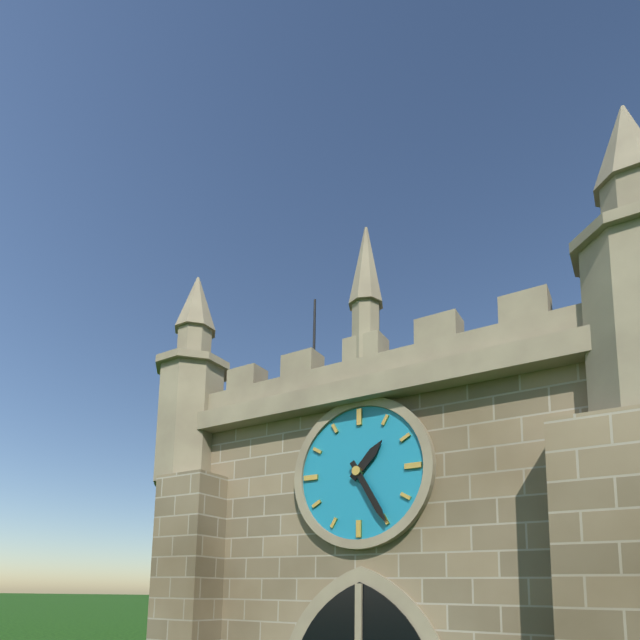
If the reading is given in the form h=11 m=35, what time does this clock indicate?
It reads h=1 m=25
